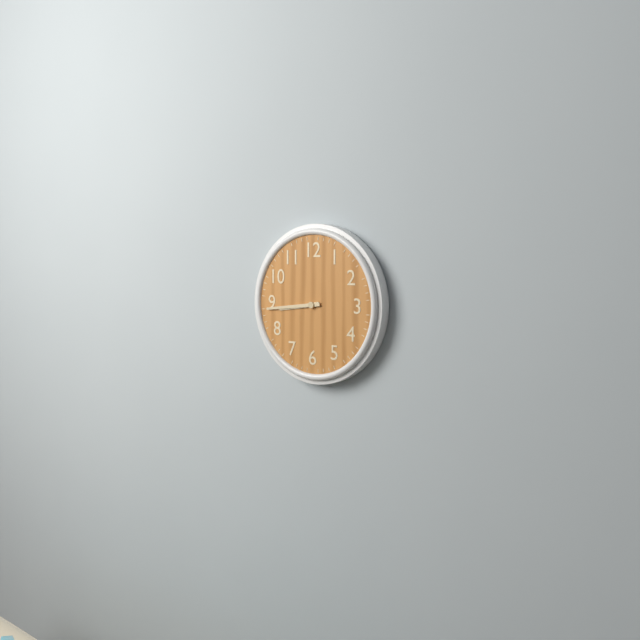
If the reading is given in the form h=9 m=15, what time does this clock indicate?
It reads h=8 m=44
